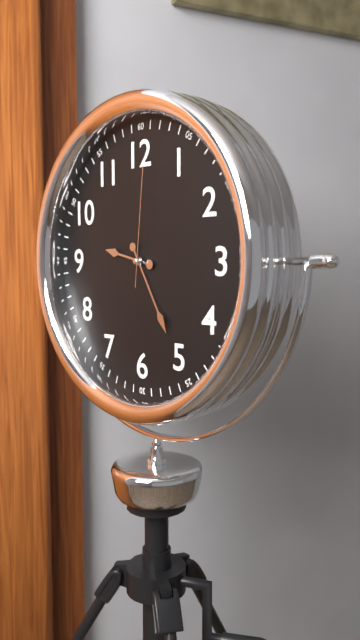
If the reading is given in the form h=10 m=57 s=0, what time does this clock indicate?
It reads h=9 m=25 s=1
